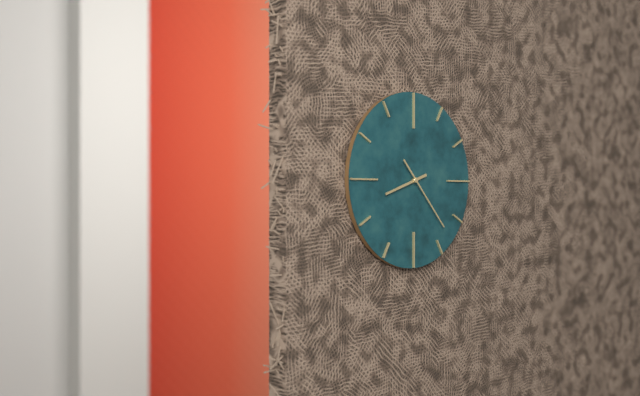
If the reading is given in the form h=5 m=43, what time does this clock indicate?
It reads h=8 m=23
